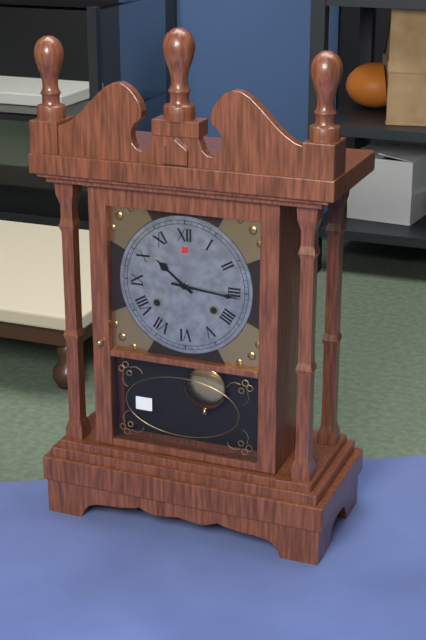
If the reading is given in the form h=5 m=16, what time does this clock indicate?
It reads h=10 m=16
